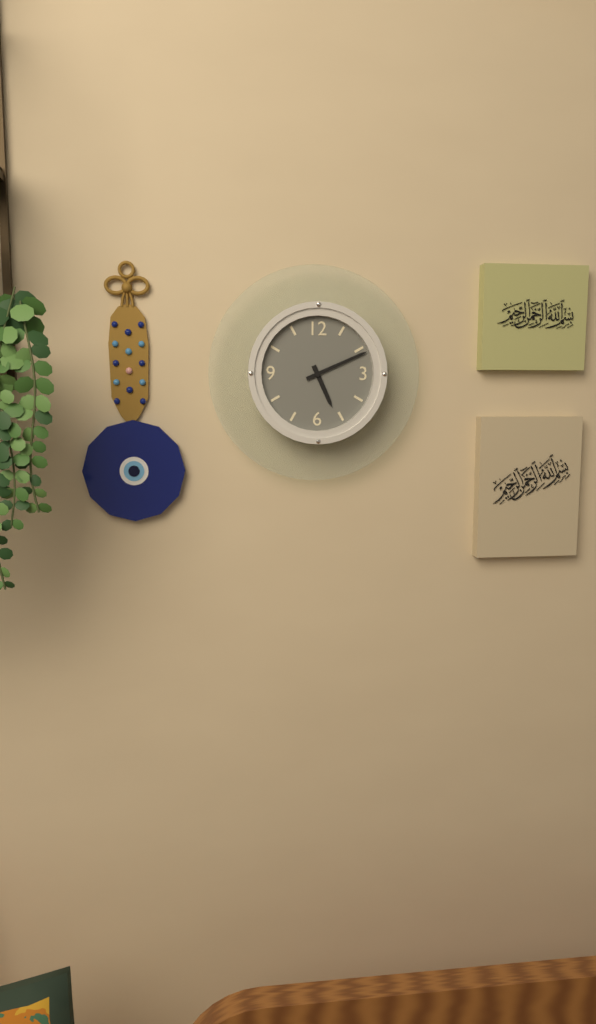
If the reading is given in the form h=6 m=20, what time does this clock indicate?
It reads h=5 m=11
